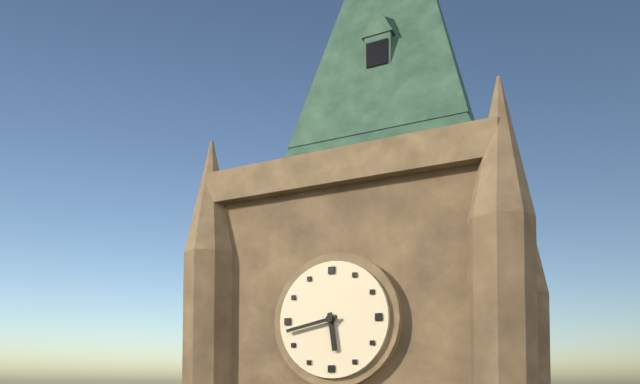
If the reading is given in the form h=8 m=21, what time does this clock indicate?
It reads h=5 m=43
